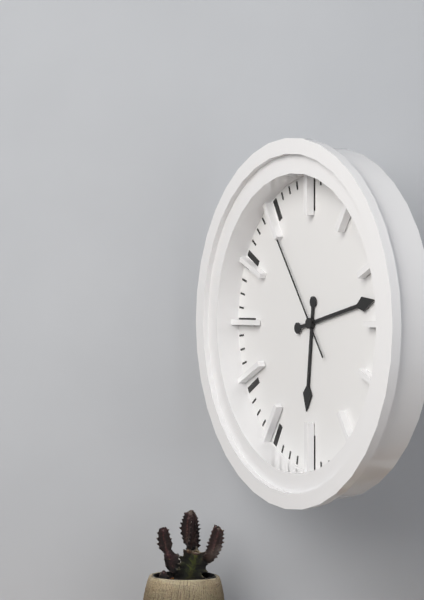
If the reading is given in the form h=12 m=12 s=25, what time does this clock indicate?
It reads h=6 m=13 s=54
